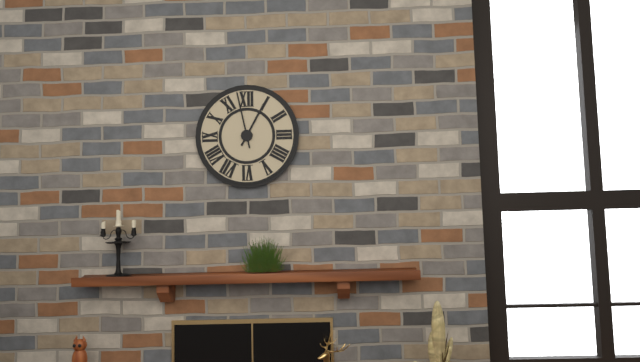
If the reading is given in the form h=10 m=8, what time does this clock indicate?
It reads h=12 m=58
